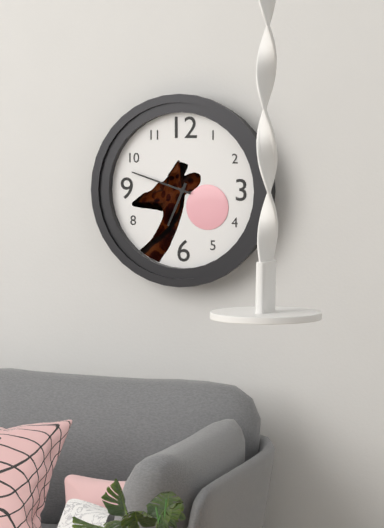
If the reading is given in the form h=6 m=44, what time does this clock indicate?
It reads h=6 m=48
